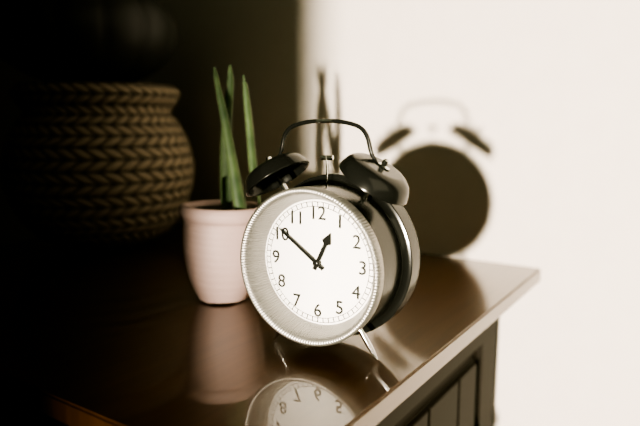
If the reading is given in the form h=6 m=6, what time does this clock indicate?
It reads h=12 m=51
